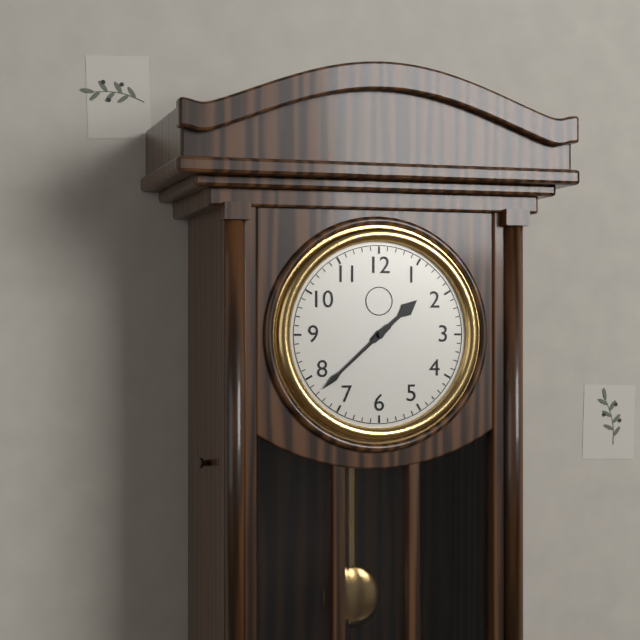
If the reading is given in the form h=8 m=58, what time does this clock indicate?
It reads h=1 m=38
